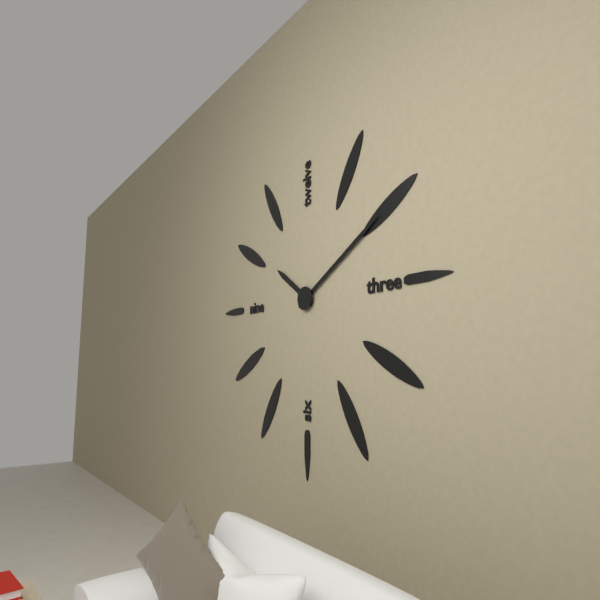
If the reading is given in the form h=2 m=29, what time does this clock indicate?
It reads h=10 m=10
